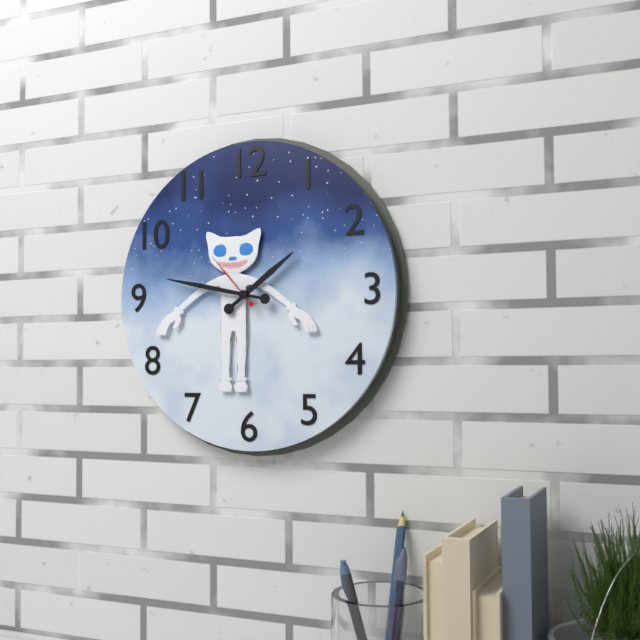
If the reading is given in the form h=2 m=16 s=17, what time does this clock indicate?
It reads h=1 m=47 s=53
